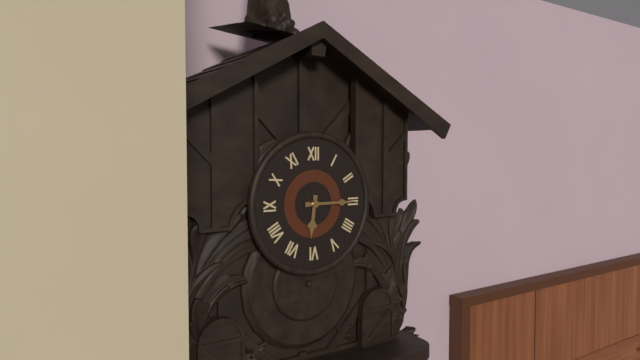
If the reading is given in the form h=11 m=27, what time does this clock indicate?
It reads h=6 m=15
